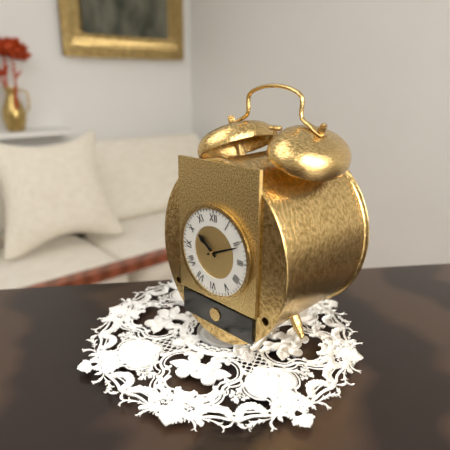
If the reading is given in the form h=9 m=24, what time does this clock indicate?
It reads h=10 m=11
